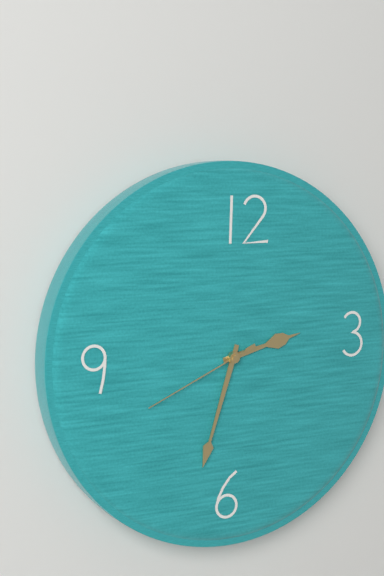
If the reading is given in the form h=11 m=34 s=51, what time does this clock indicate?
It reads h=2 m=33 s=41
